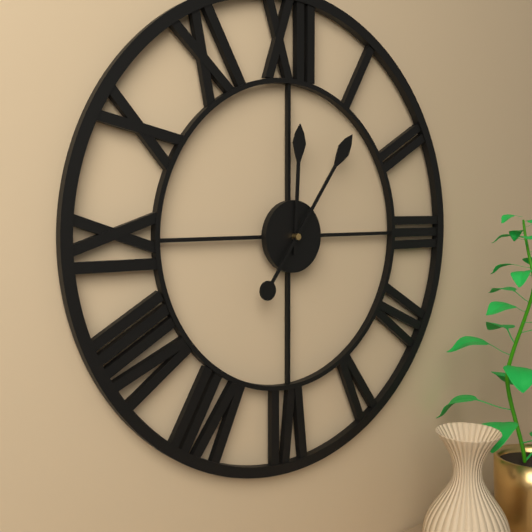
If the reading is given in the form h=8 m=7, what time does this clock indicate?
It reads h=12 m=6
